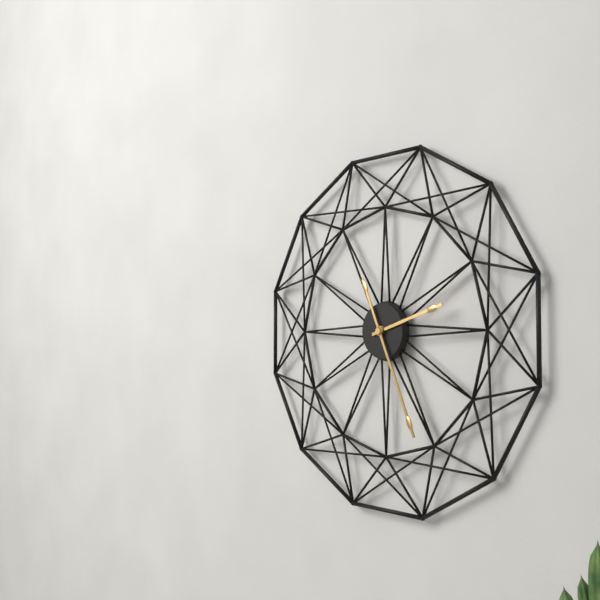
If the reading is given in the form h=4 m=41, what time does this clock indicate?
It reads h=2 m=26
